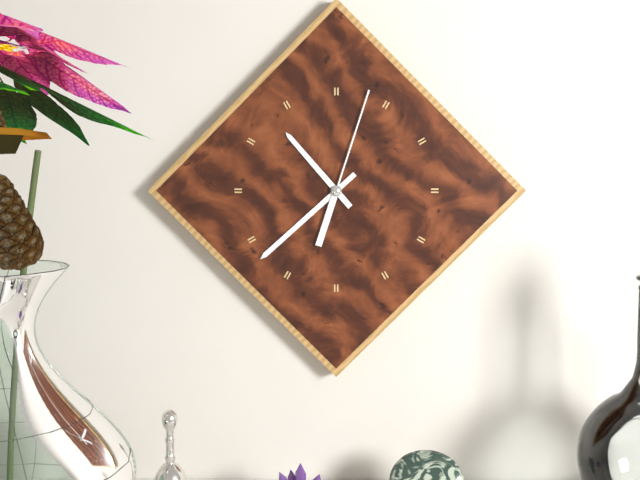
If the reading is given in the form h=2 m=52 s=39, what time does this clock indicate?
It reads h=10 m=38 s=3
